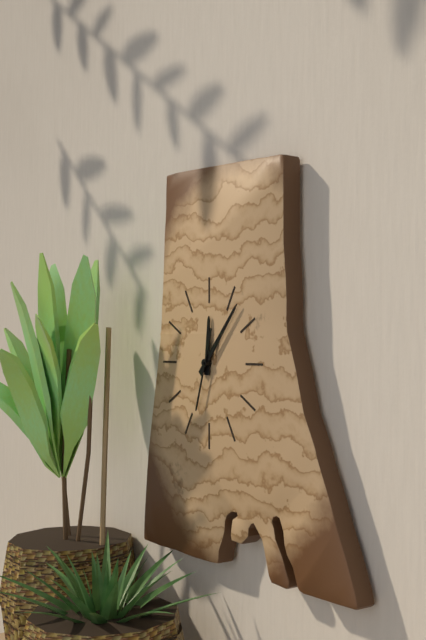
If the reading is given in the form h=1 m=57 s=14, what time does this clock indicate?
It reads h=12 m=7 s=33
